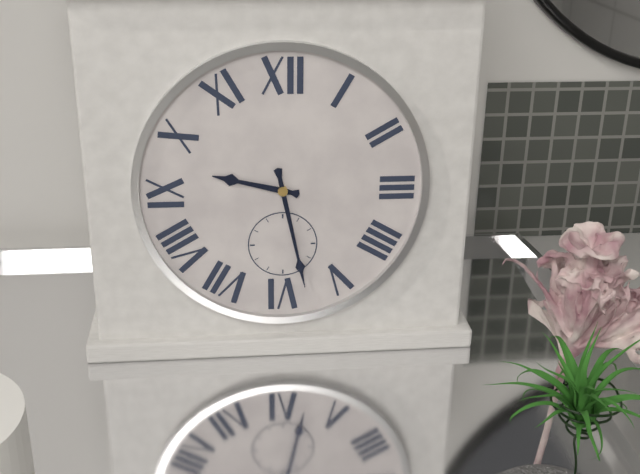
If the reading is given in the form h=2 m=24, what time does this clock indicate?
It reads h=9 m=28
